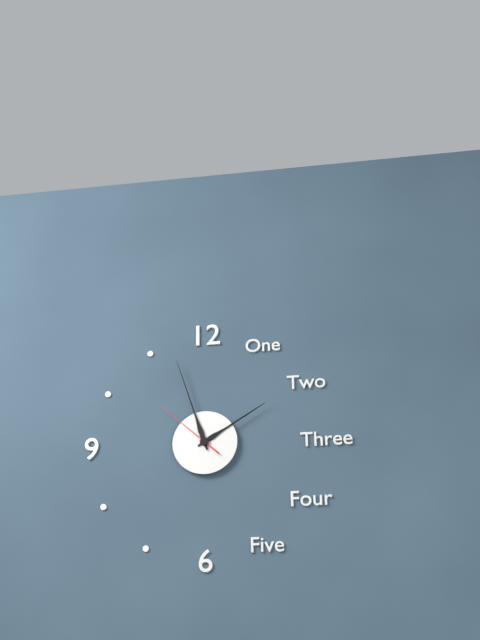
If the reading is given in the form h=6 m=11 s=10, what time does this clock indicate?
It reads h=1 m=57 s=52
